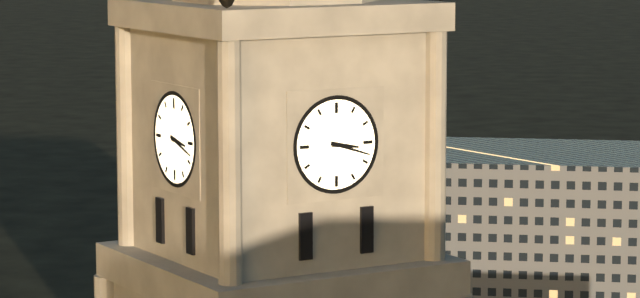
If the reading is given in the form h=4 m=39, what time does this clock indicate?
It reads h=3 m=18
